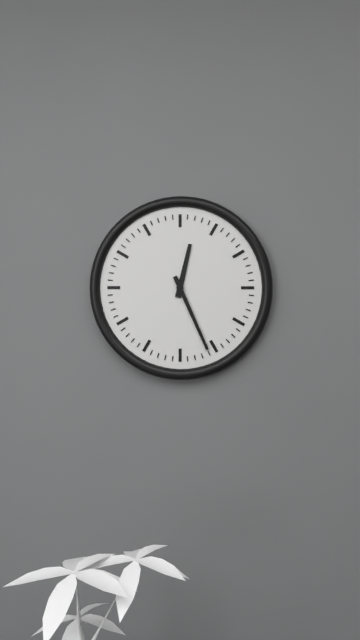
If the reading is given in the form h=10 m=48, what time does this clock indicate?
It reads h=12 m=26
